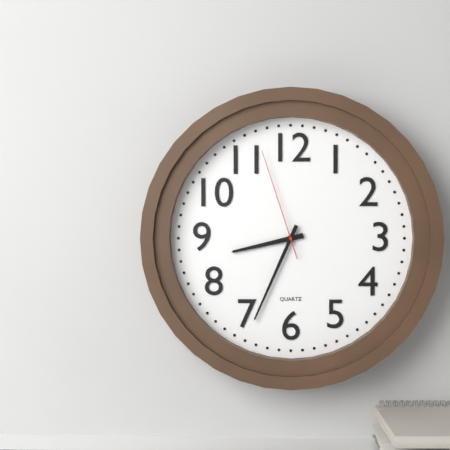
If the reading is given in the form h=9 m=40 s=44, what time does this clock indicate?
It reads h=8 m=34 s=57
